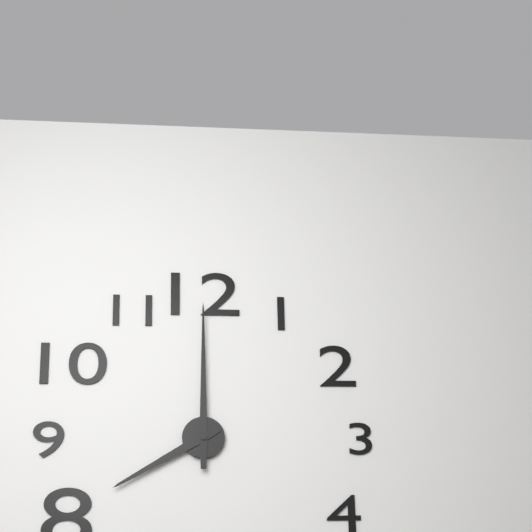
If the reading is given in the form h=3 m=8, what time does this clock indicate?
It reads h=8 m=0
